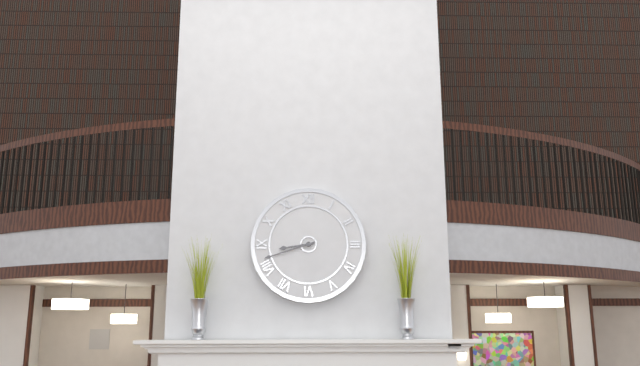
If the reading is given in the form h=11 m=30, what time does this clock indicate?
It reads h=8 m=42
